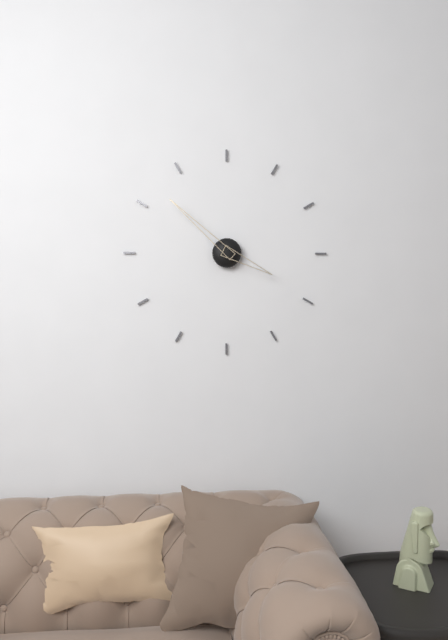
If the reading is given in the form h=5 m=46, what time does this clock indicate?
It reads h=3 m=52
